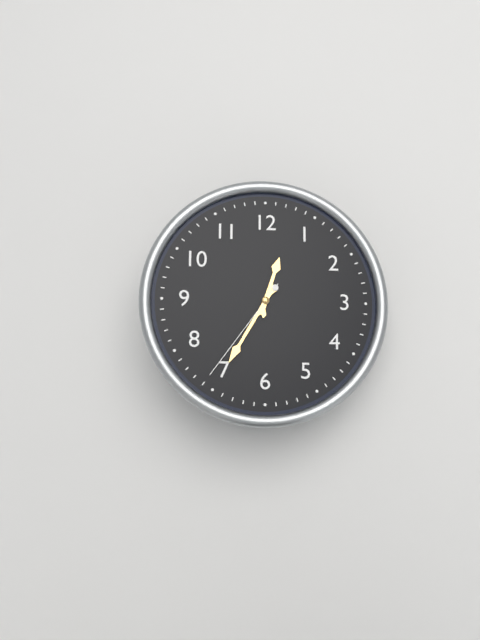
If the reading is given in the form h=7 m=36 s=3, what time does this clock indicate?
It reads h=12 m=35 s=36
